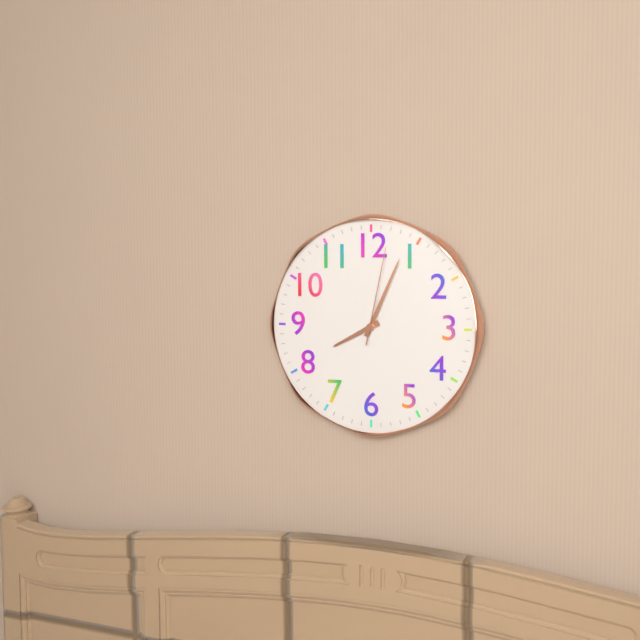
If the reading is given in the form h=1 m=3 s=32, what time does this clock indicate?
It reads h=8 m=4 s=2
